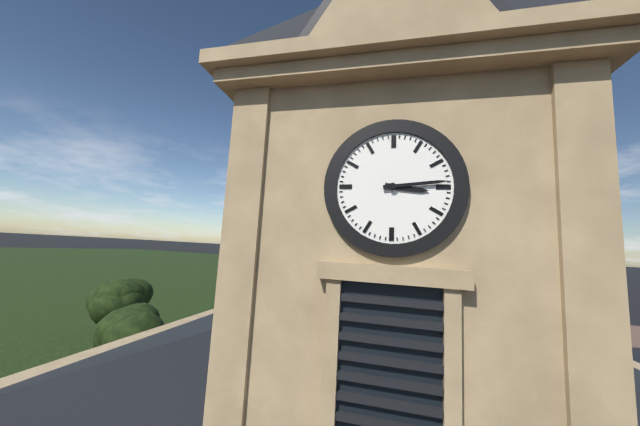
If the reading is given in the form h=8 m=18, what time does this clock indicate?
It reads h=3 m=14
